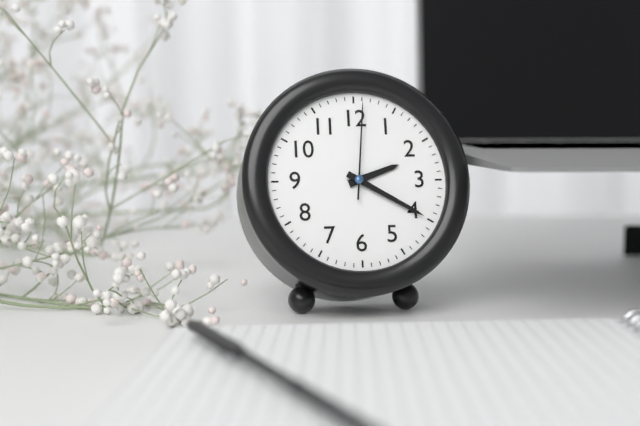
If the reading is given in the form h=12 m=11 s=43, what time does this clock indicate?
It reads h=2 m=20 s=1
